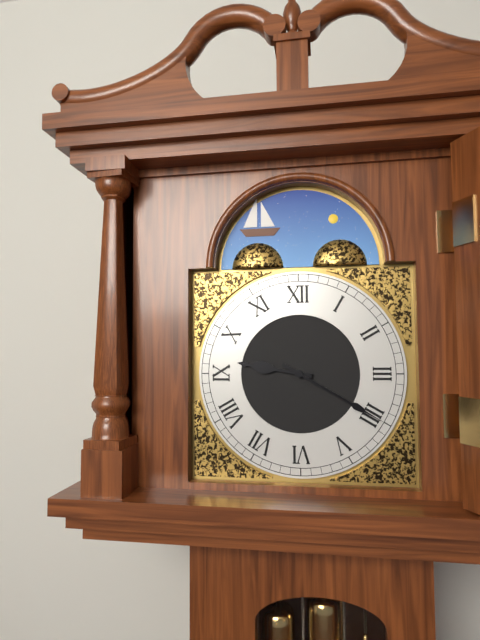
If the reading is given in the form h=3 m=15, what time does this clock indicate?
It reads h=9 m=20
